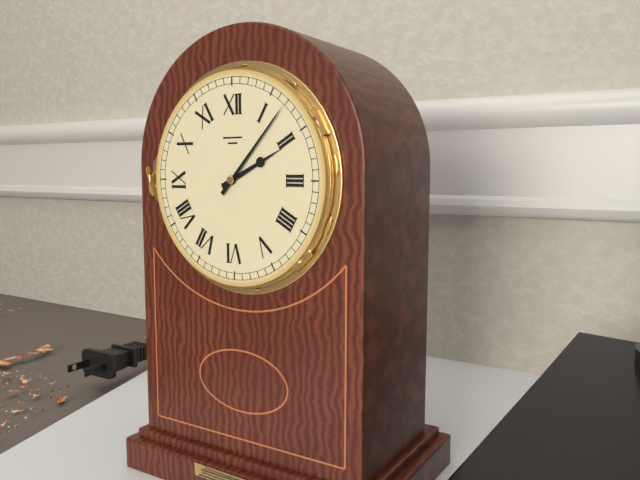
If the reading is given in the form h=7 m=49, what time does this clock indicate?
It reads h=2 m=7
